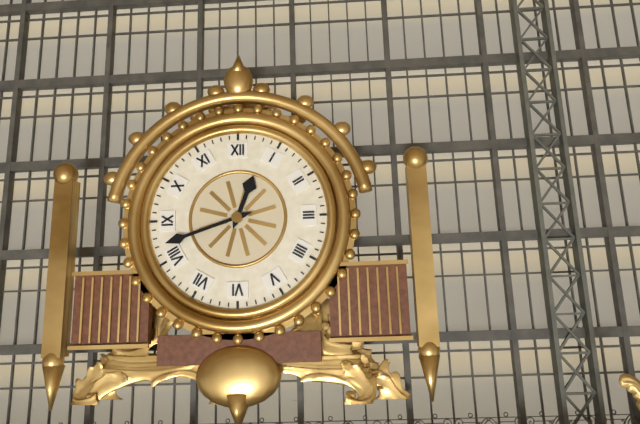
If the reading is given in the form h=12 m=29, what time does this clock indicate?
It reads h=12 m=42
